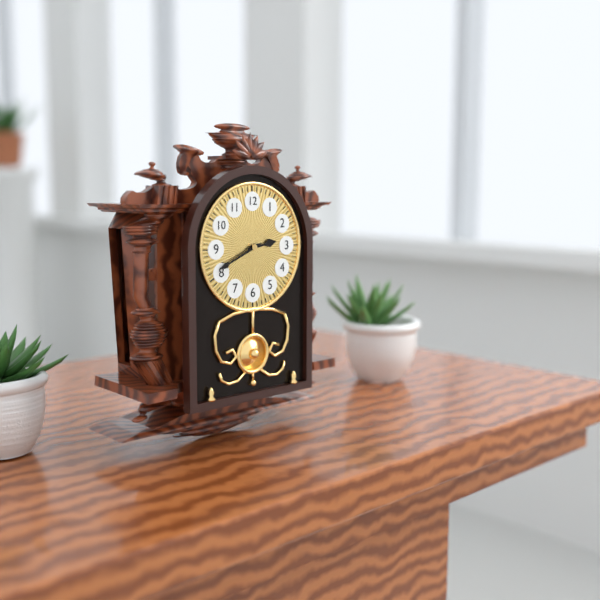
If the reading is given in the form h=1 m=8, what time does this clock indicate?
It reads h=2 m=41
